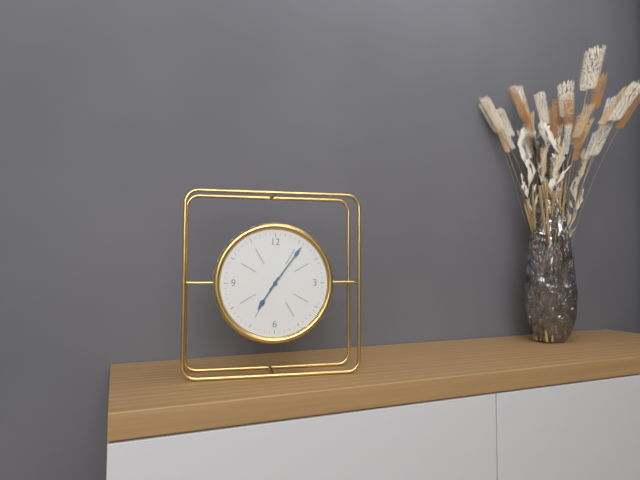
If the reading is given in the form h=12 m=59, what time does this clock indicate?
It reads h=7 m=6
